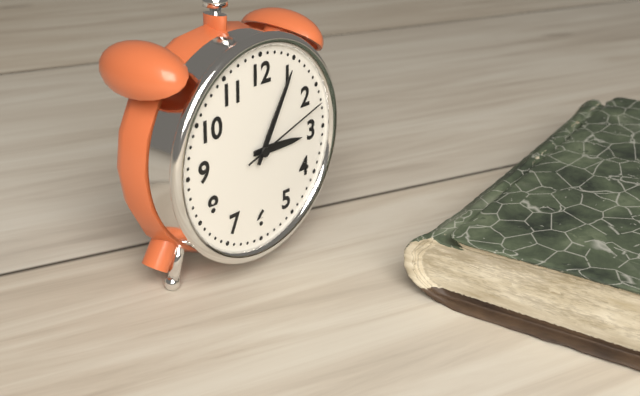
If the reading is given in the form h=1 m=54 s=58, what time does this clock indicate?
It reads h=3 m=5 s=12
